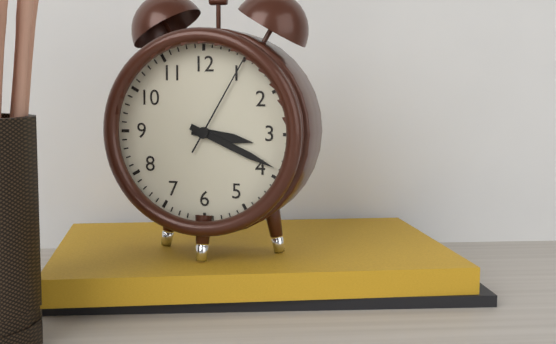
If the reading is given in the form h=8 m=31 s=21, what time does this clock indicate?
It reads h=3 m=19 s=5
